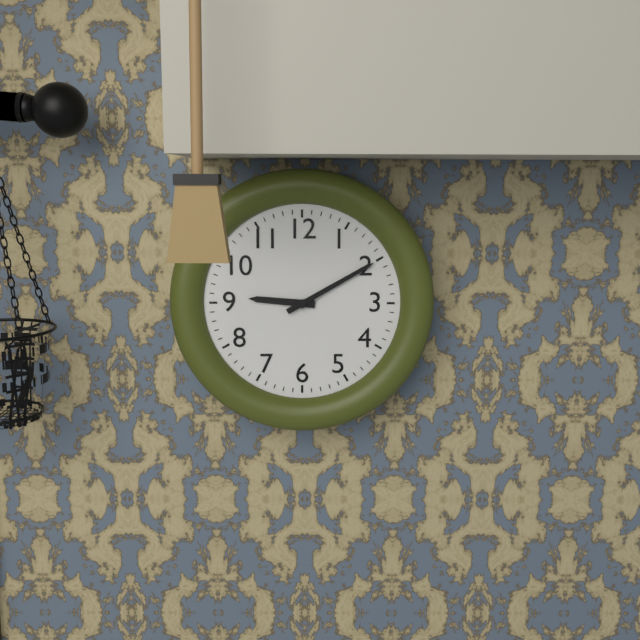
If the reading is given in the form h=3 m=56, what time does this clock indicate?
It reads h=9 m=10
